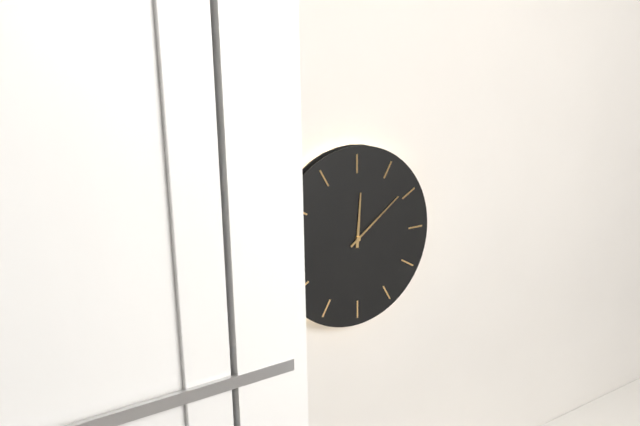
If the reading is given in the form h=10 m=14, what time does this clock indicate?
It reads h=12 m=9
